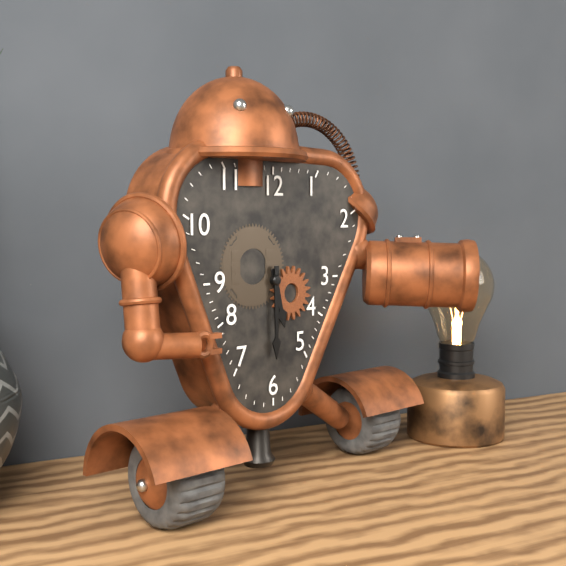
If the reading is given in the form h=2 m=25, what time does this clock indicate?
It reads h=5 m=30
